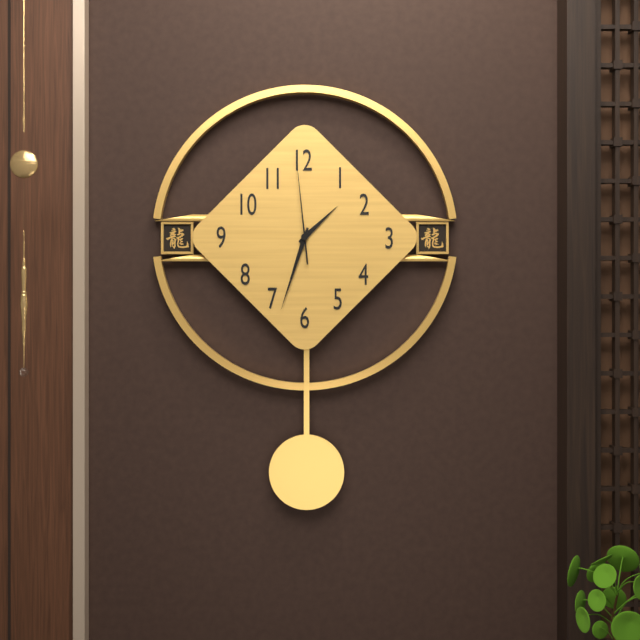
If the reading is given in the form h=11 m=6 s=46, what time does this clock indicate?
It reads h=1 m=33 s=59
